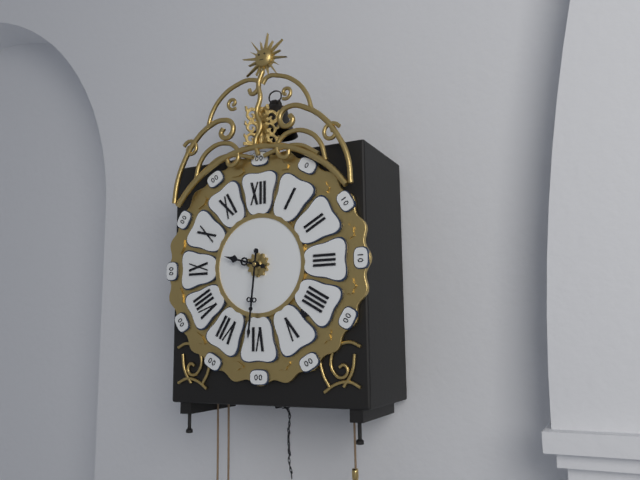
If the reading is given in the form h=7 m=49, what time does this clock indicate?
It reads h=9 m=31
